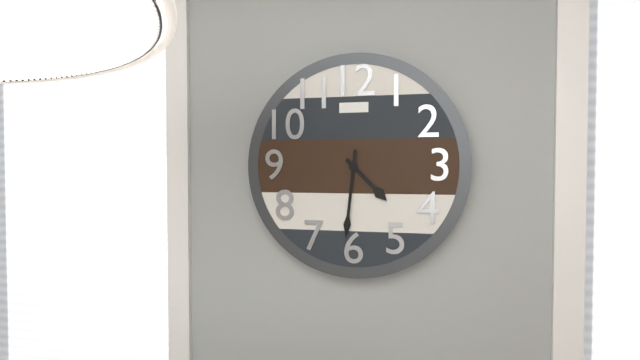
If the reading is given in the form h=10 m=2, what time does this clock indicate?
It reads h=4 m=31
